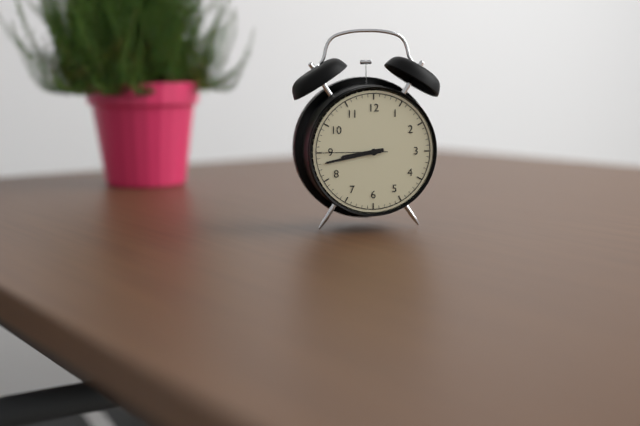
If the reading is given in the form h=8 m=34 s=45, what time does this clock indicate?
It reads h=8 m=43 s=45
